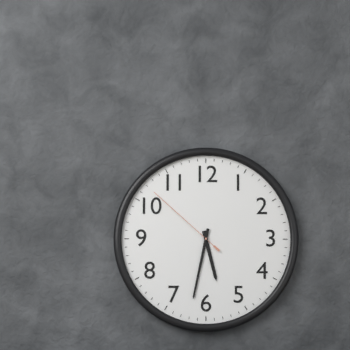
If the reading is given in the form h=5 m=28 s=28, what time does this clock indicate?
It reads h=5 m=32 s=52
